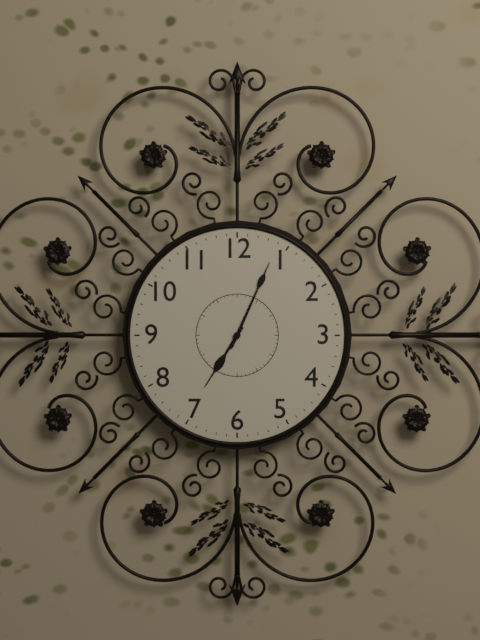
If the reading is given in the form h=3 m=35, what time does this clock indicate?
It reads h=7 m=4
